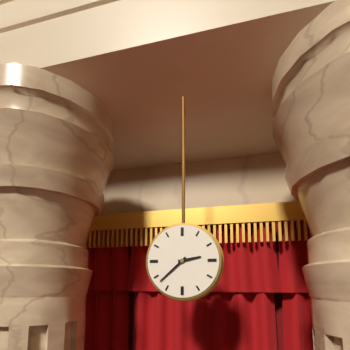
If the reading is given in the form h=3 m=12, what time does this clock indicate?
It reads h=2 m=38
